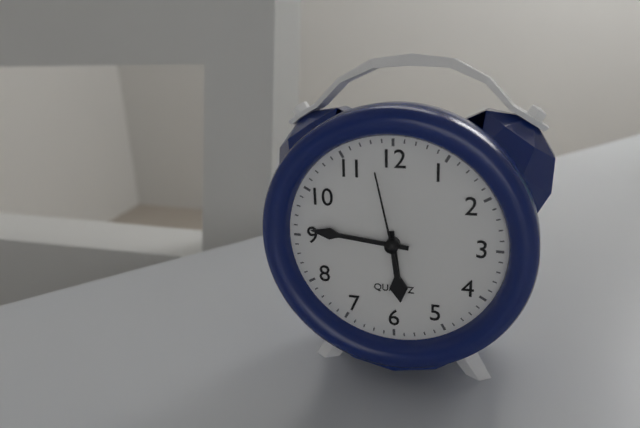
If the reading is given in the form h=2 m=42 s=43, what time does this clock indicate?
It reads h=5 m=46 s=58
